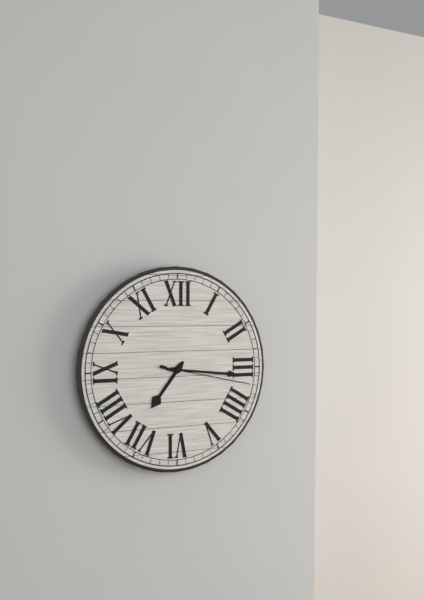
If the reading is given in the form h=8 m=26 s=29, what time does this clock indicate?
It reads h=7 m=16 s=17
